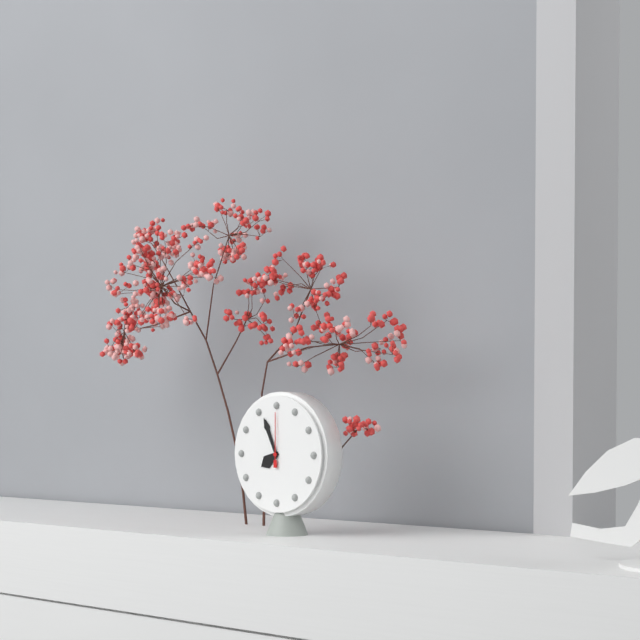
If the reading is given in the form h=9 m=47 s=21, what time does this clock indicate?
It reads h=7 m=56 s=0
